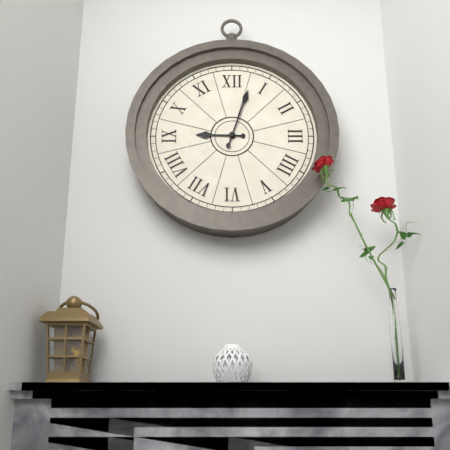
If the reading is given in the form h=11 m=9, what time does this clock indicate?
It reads h=9 m=3
